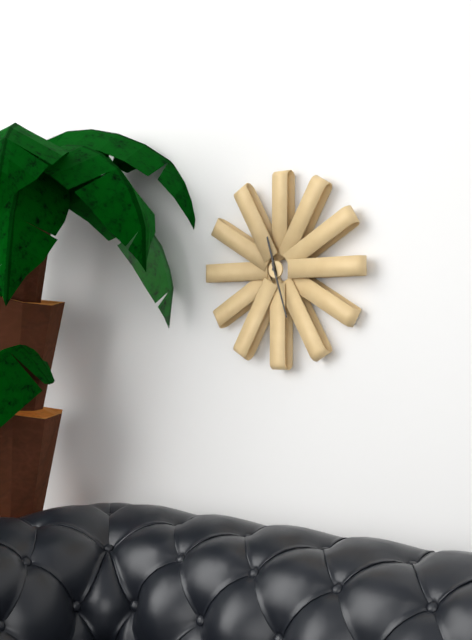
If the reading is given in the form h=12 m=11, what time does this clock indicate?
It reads h=11 m=27
